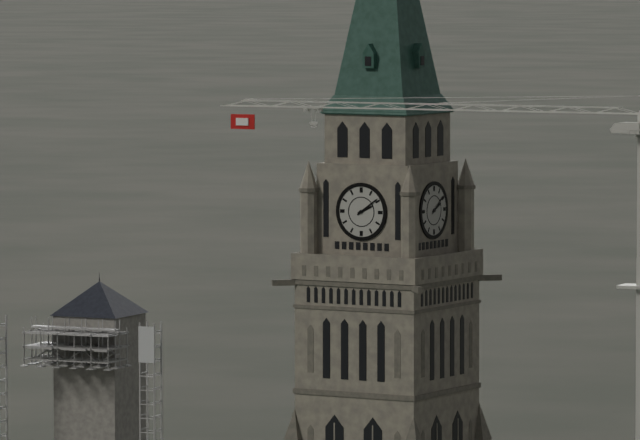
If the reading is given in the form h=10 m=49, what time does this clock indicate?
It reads h=2 m=9
